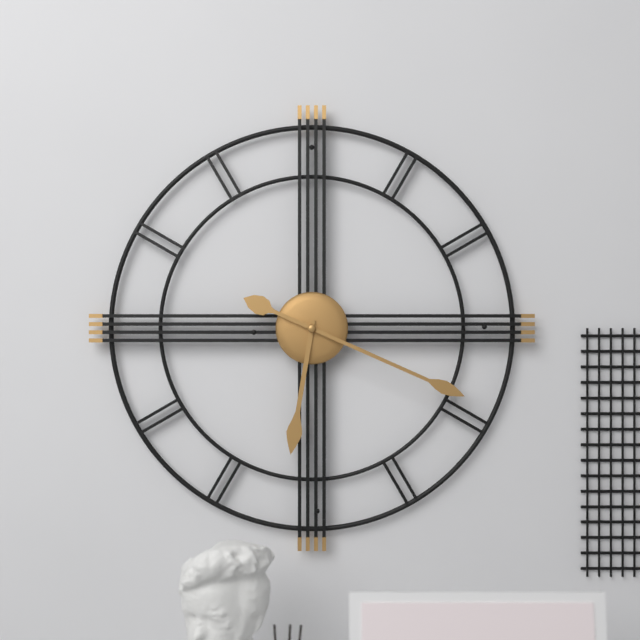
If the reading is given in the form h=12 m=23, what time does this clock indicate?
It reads h=6 m=19
